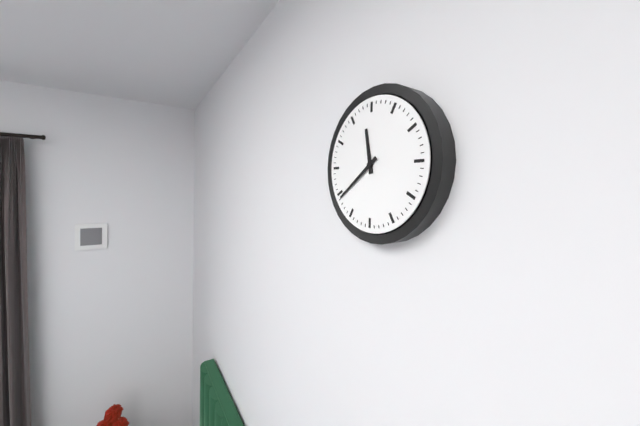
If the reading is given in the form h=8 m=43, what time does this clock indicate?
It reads h=11 m=39
